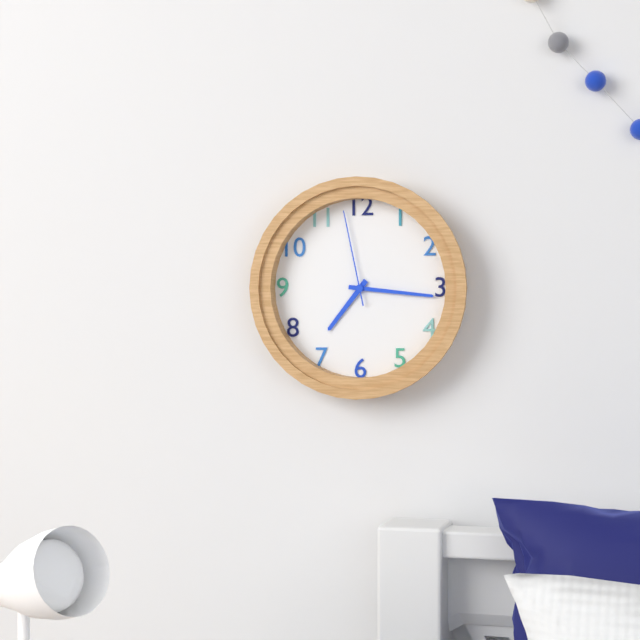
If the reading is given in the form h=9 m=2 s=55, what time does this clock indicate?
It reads h=7 m=16 s=58
